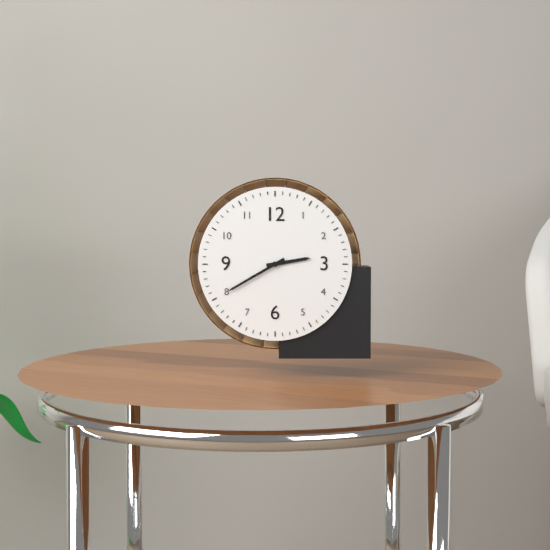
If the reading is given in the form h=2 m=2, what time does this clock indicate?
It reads h=2 m=40
